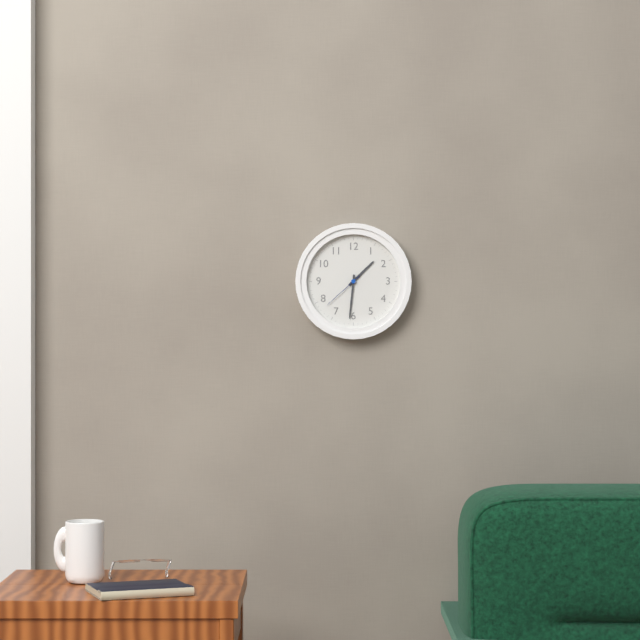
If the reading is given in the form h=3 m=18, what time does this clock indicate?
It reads h=1 m=31
